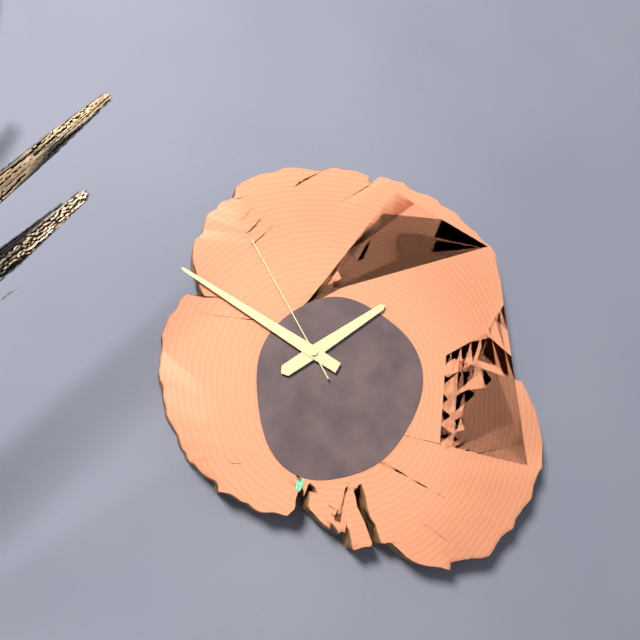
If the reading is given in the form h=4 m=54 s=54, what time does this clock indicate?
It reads h=1 m=50 s=55
